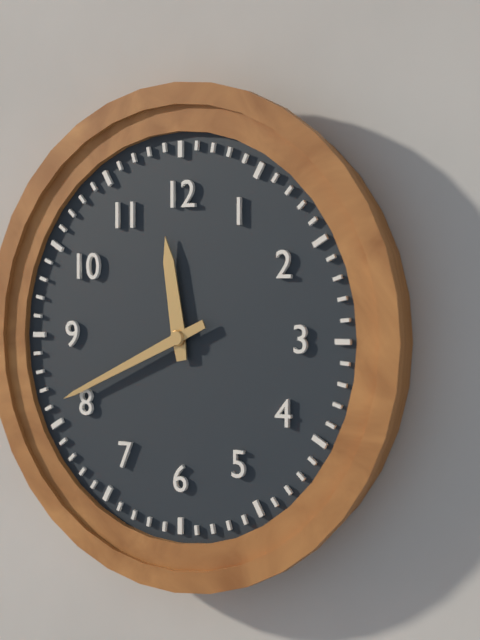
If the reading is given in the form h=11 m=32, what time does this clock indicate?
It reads h=11 m=41
